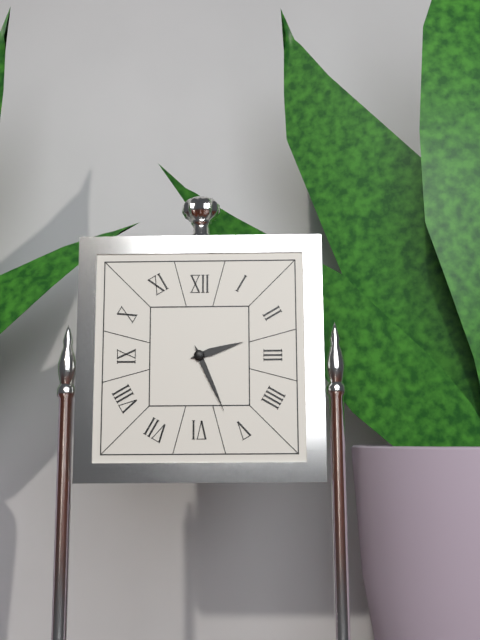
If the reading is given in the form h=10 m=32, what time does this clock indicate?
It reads h=2 m=26
